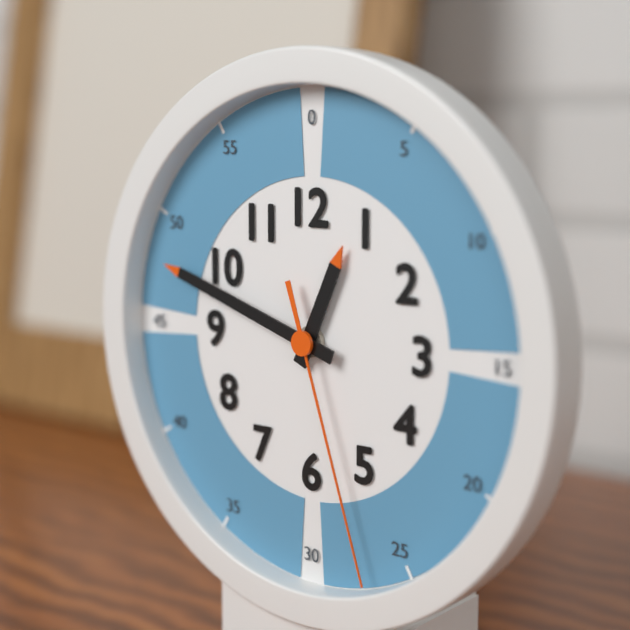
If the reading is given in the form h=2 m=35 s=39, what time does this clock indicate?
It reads h=12 m=48 s=27
